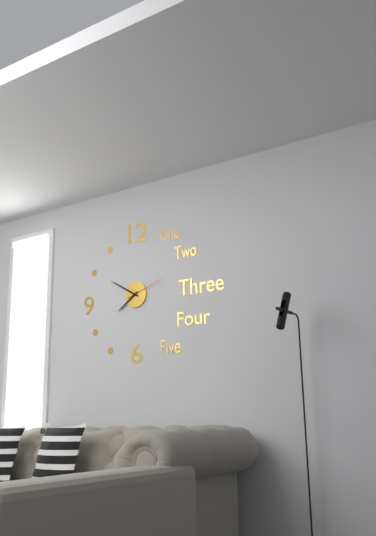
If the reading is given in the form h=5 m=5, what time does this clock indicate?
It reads h=7 m=50
